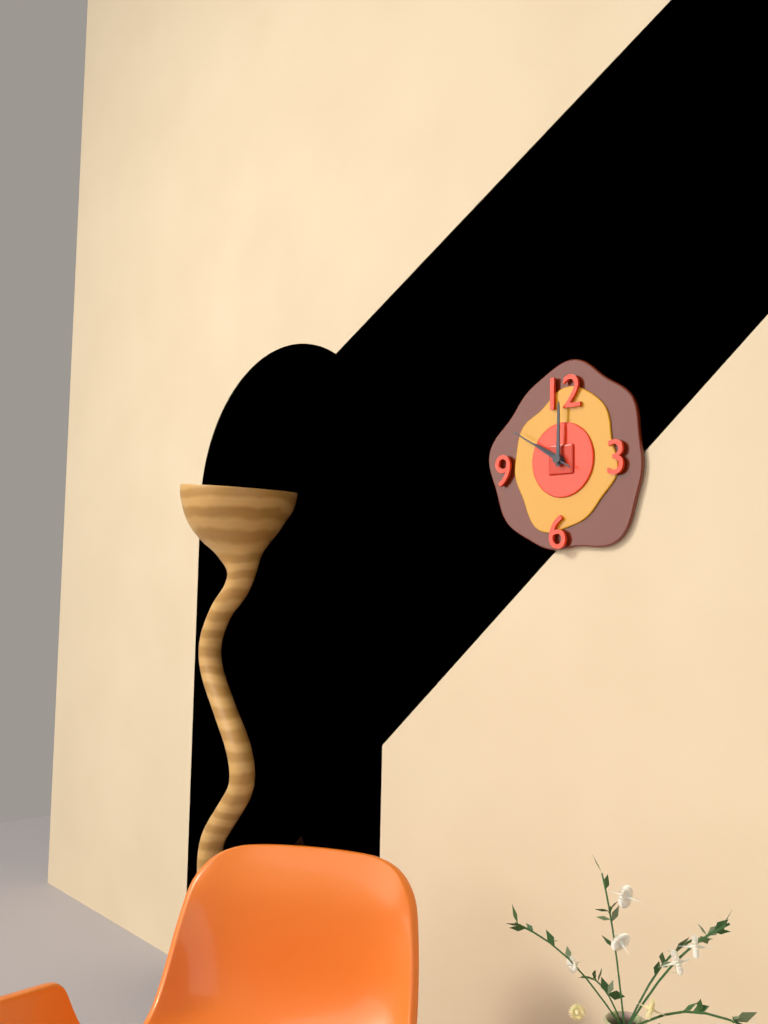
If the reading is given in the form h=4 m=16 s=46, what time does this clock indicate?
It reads h=10 m=0 s=50
